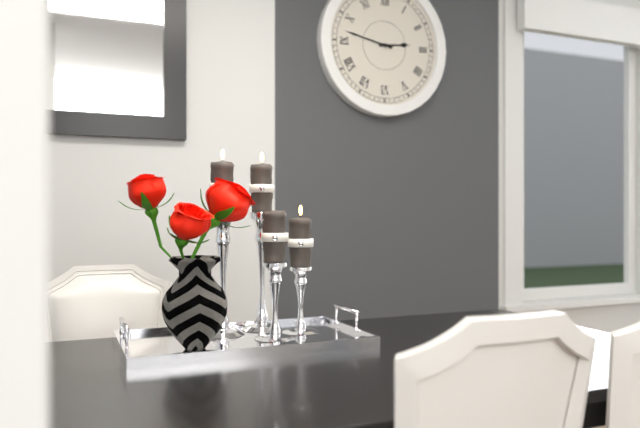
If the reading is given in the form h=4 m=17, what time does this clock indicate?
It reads h=2 m=47
